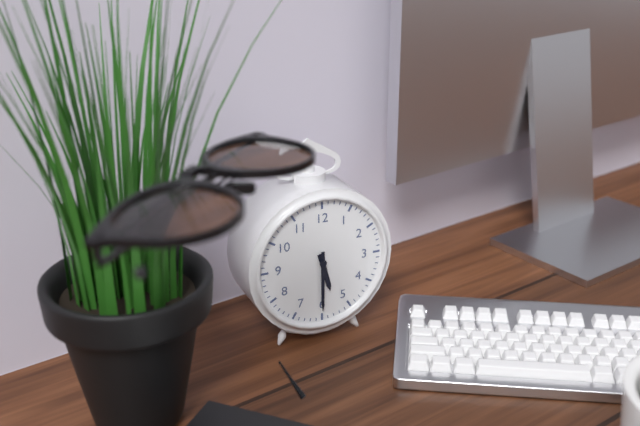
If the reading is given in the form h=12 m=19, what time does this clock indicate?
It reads h=5 m=30
